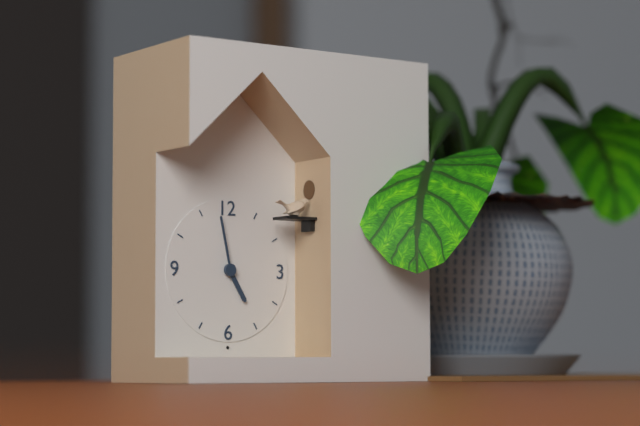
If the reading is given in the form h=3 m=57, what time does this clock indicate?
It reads h=4 m=58
